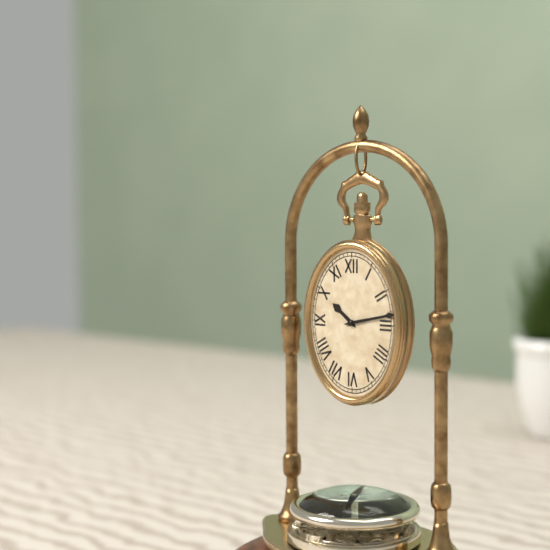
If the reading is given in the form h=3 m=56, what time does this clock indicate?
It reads h=10 m=13
